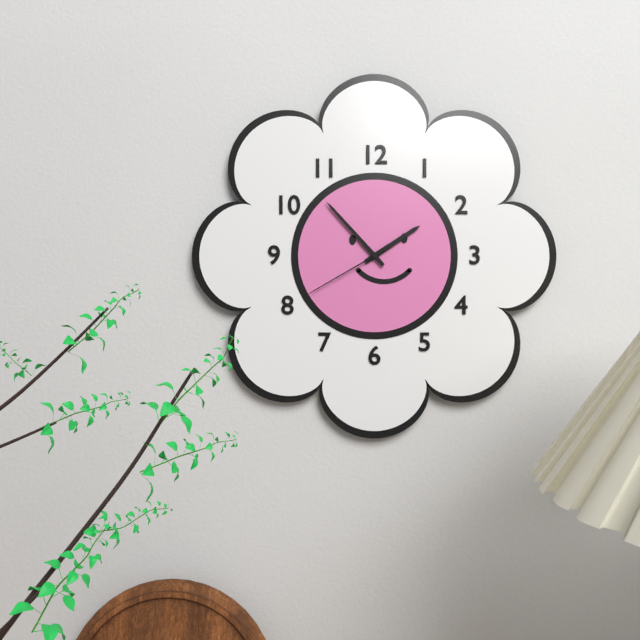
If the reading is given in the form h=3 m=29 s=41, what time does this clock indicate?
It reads h=1 m=53 s=40
